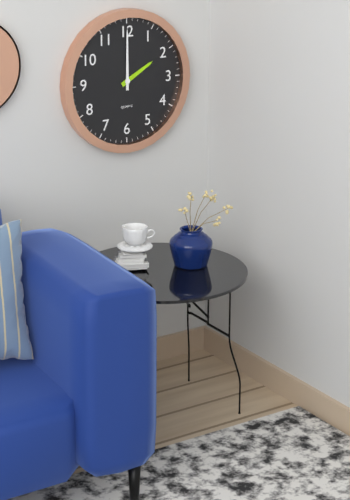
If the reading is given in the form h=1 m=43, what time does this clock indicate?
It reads h=2 m=0
